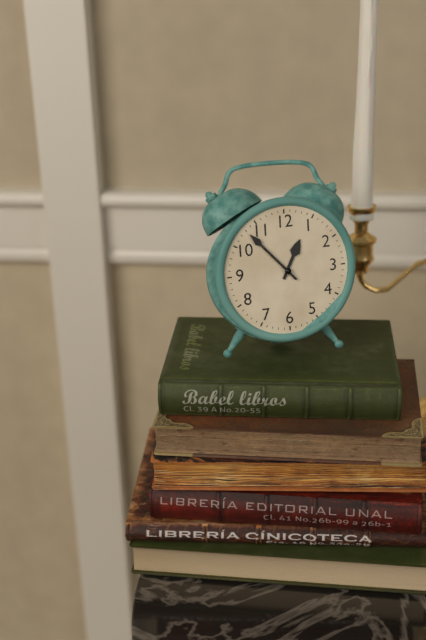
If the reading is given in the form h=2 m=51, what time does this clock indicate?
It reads h=12 m=53
